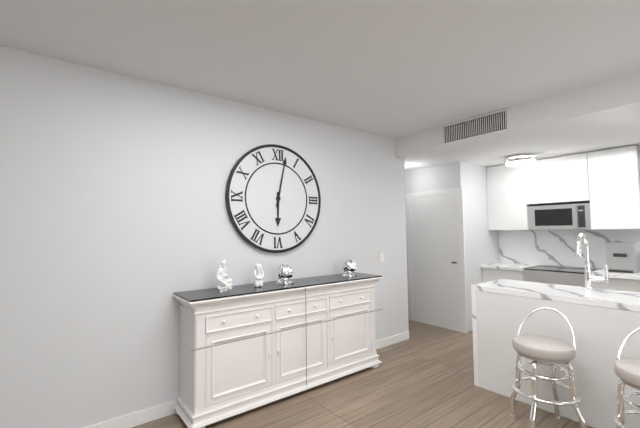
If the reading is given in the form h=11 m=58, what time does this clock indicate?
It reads h=6 m=2
